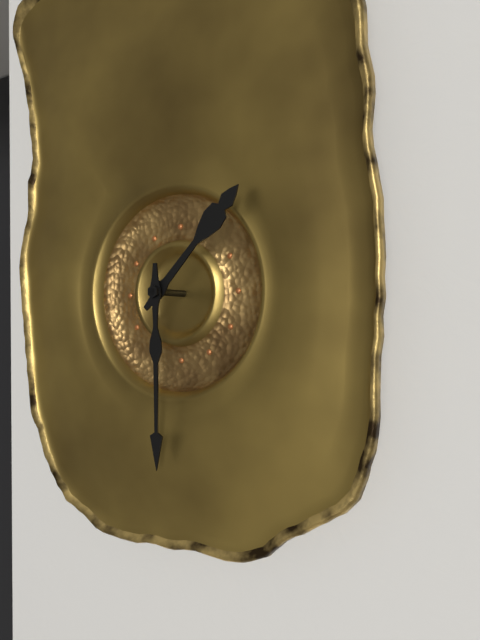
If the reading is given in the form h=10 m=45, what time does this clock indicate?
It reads h=1 m=30
